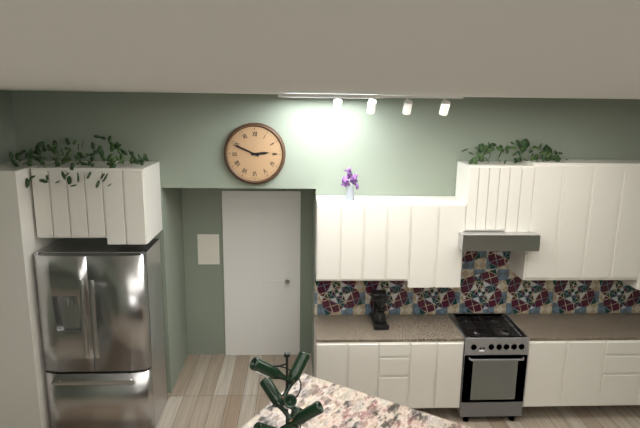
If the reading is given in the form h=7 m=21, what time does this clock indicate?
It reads h=2 m=49
